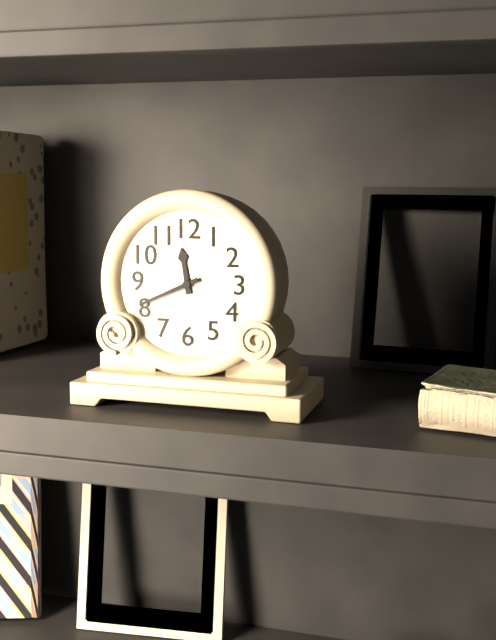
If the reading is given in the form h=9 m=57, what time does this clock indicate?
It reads h=11 m=41
